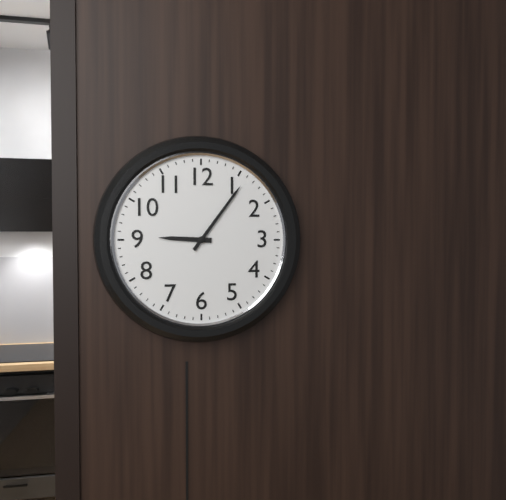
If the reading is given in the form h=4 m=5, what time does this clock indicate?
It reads h=9 m=6
